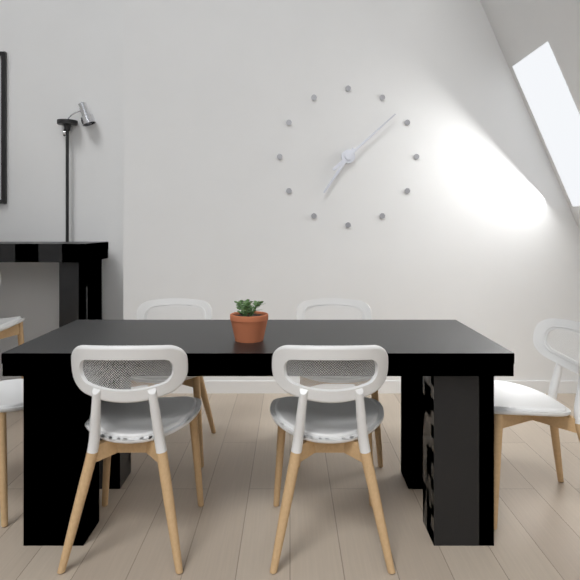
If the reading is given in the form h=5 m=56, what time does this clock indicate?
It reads h=7 m=8
